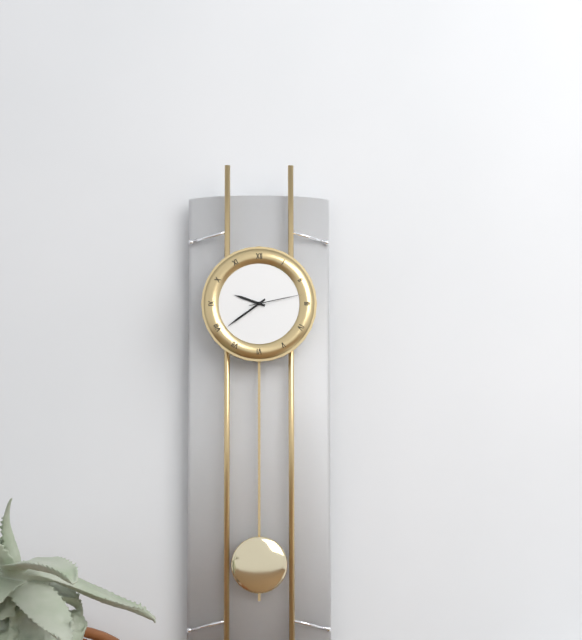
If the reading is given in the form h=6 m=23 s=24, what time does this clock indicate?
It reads h=9 m=39 s=13
